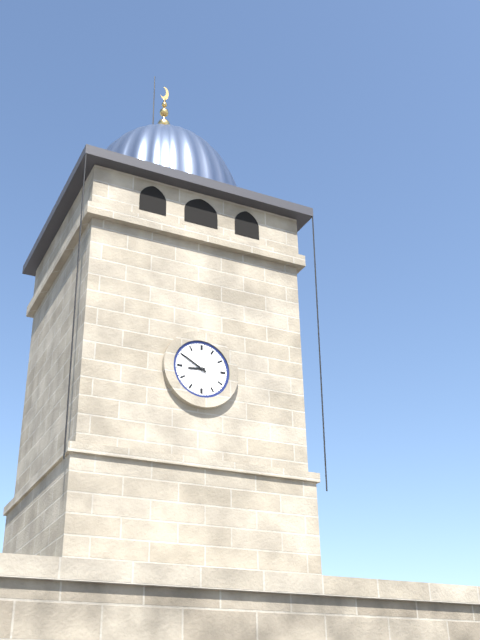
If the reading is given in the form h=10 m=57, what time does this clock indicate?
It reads h=8 m=50
